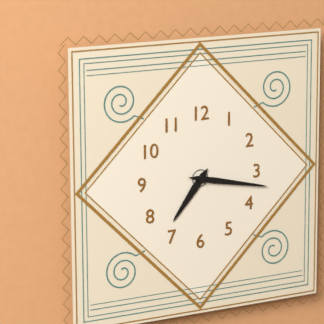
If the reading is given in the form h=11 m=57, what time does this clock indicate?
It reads h=7 m=17
